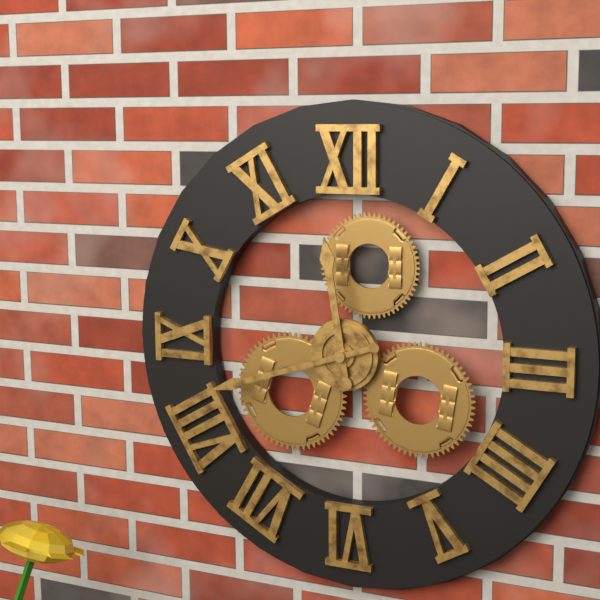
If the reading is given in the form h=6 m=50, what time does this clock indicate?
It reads h=11 m=42
